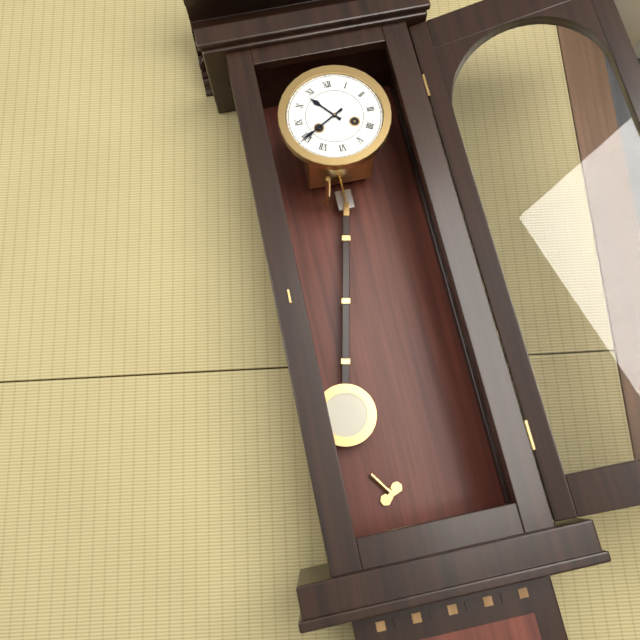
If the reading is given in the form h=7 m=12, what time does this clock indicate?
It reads h=10 m=40
